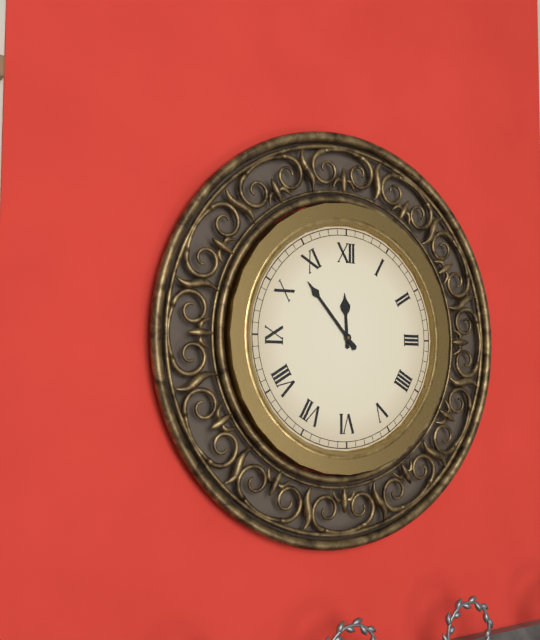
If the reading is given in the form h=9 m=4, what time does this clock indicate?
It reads h=11 m=53
